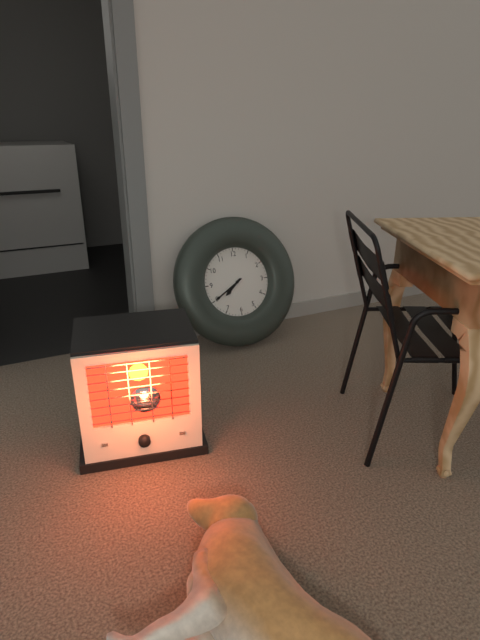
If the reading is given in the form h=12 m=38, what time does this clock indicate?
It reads h=7 m=40
